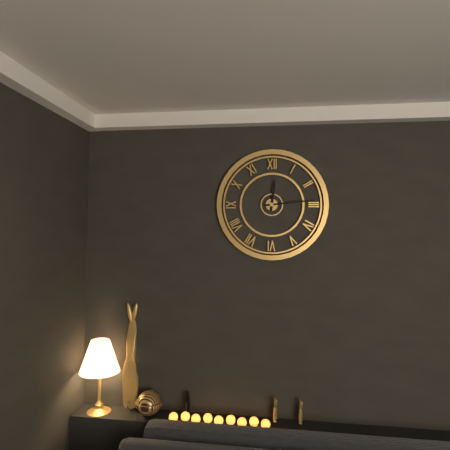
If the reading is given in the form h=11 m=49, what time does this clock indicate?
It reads h=12 m=14
